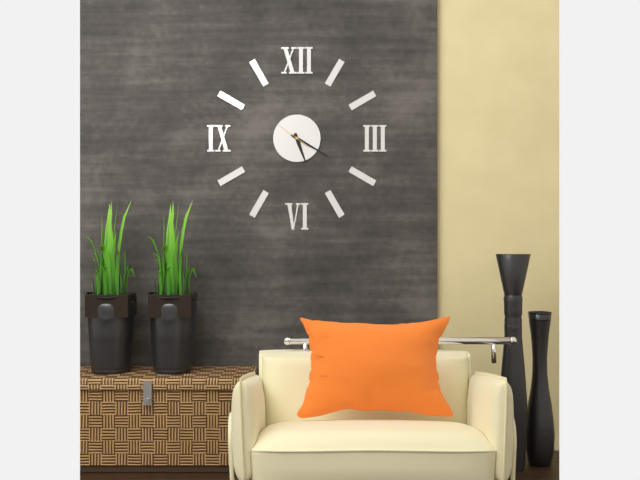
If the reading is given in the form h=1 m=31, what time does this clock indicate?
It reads h=5 m=20
